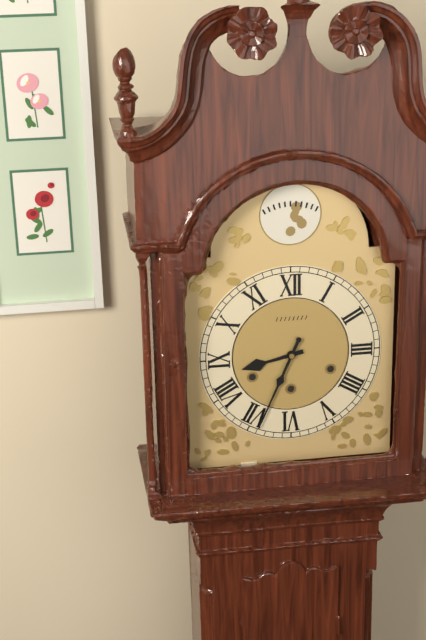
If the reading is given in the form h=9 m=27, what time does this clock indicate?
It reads h=8 m=34
